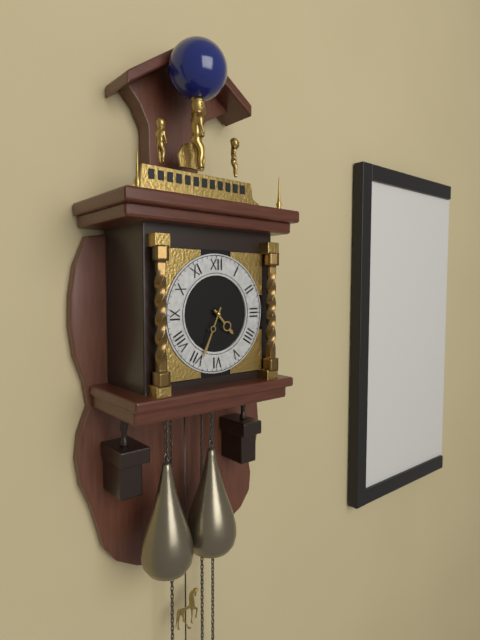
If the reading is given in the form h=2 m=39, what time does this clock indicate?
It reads h=4 m=34
